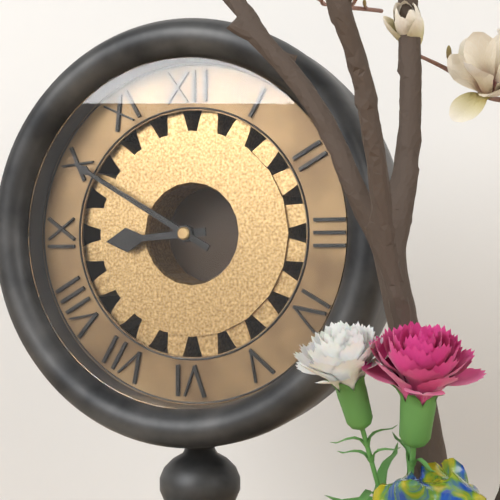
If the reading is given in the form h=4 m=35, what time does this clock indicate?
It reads h=8 m=50
